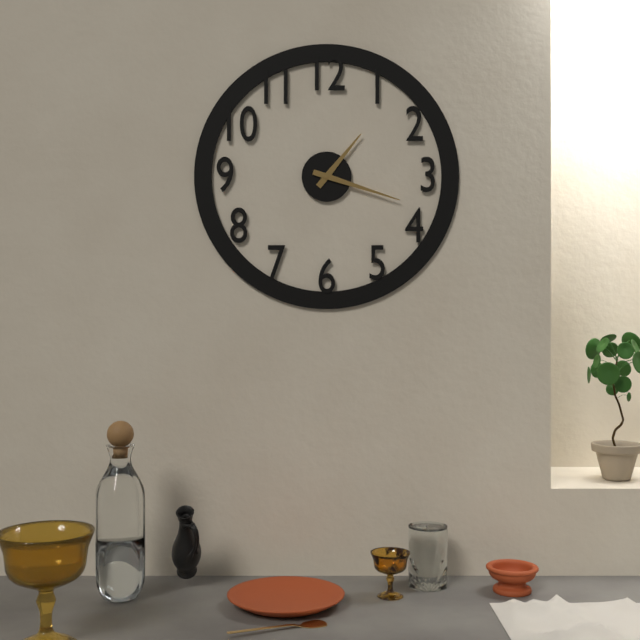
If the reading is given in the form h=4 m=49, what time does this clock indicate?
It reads h=1 m=18
